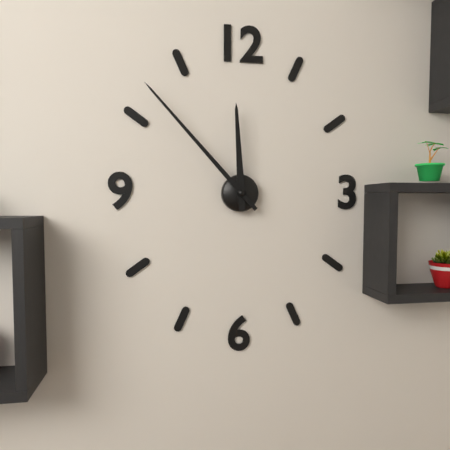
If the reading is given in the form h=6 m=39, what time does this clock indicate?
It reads h=11 m=53
